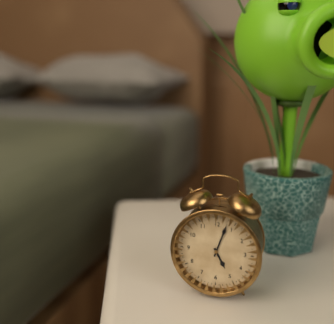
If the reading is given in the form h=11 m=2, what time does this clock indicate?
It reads h=5 m=3
